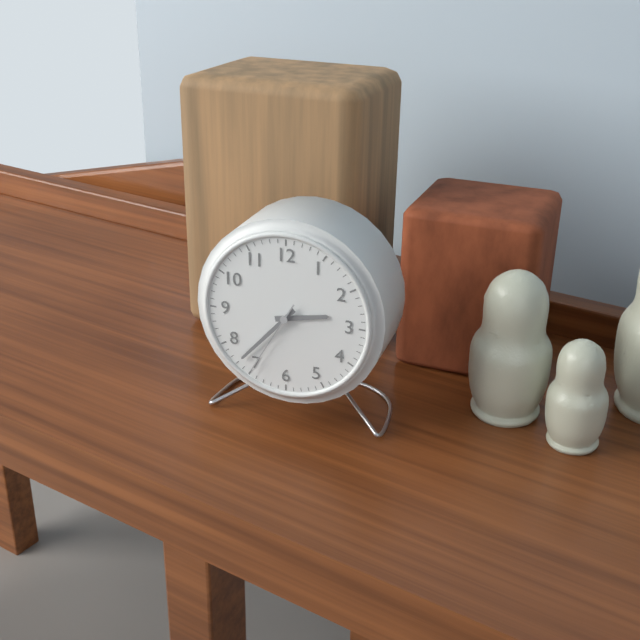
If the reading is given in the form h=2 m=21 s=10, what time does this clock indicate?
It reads h=2 m=37 s=35
